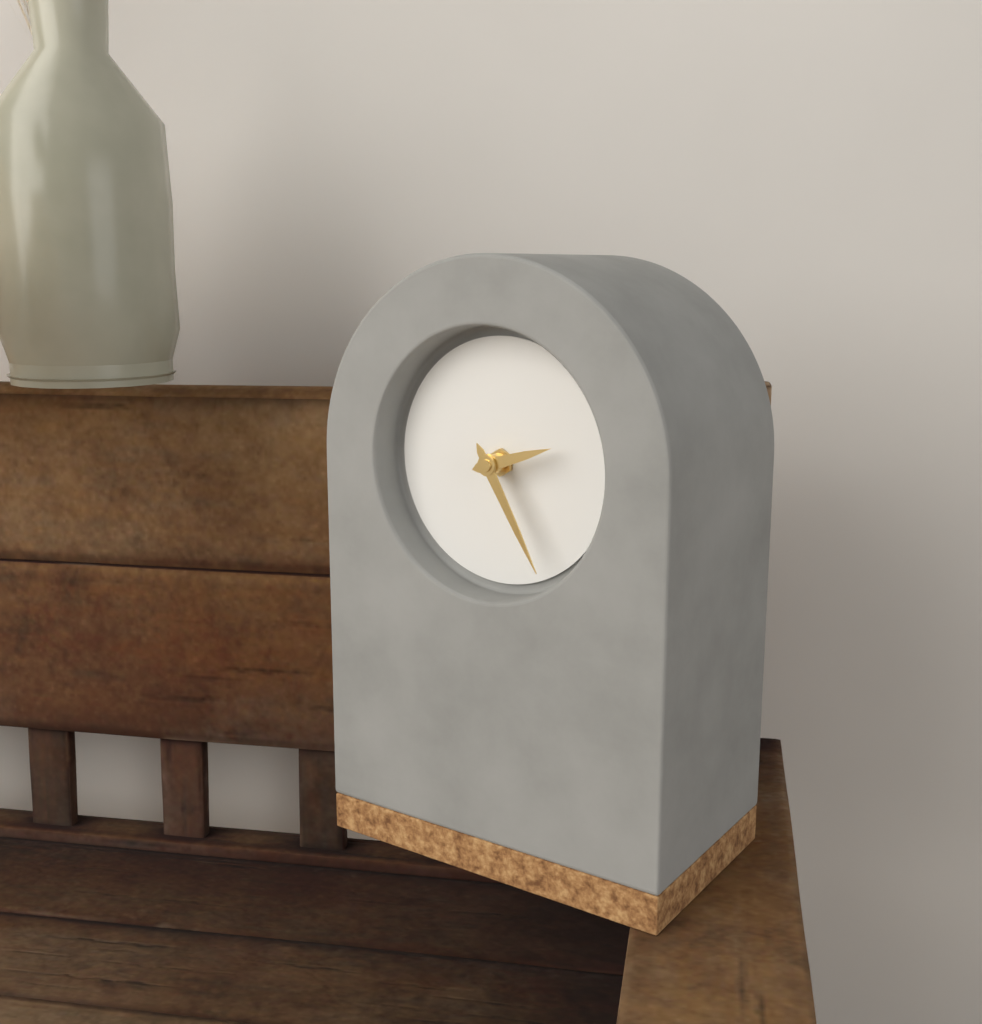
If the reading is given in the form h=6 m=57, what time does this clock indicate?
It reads h=2 m=25
